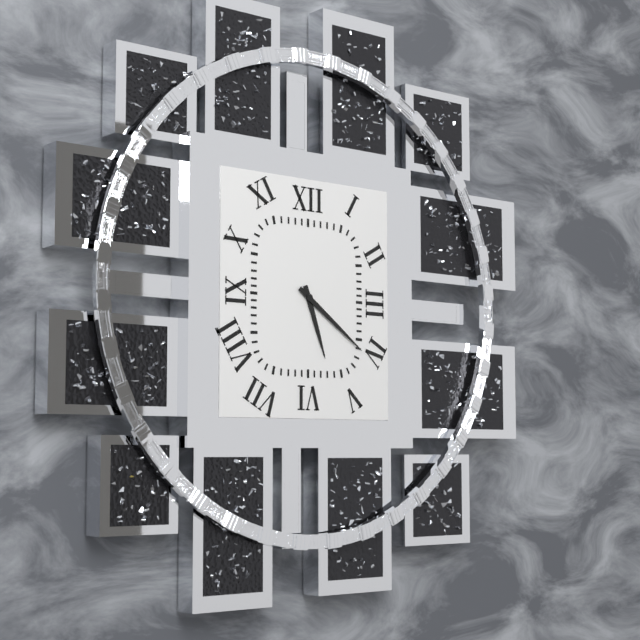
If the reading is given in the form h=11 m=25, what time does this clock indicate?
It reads h=5 m=21
